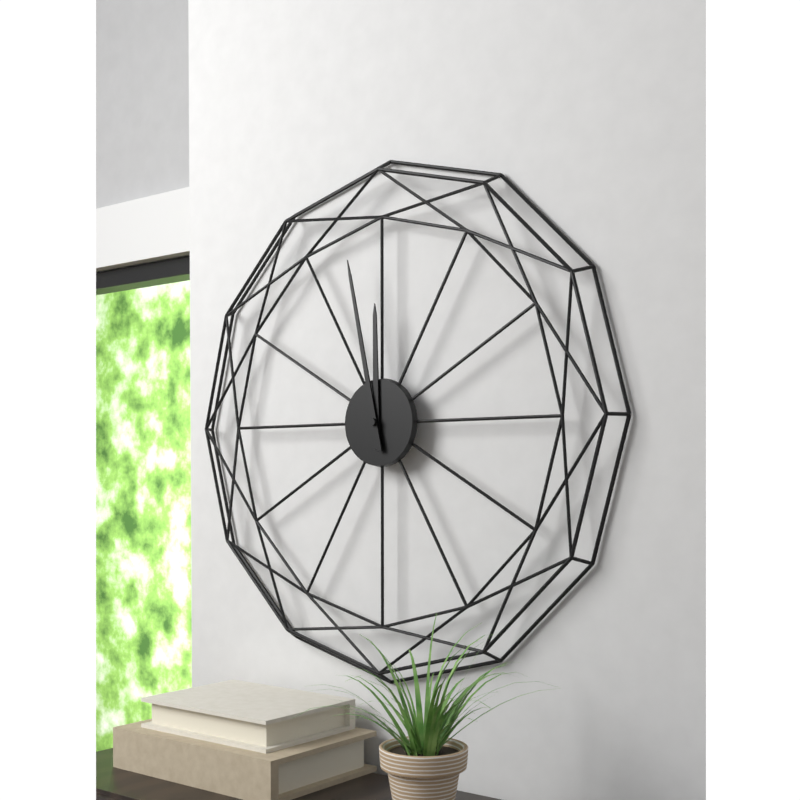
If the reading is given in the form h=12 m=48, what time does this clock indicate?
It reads h=11 m=58
